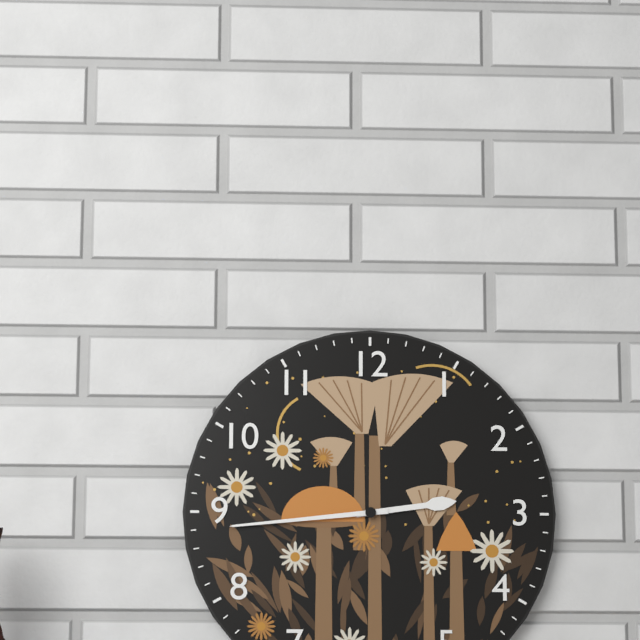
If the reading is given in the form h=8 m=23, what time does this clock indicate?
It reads h=2 m=44
